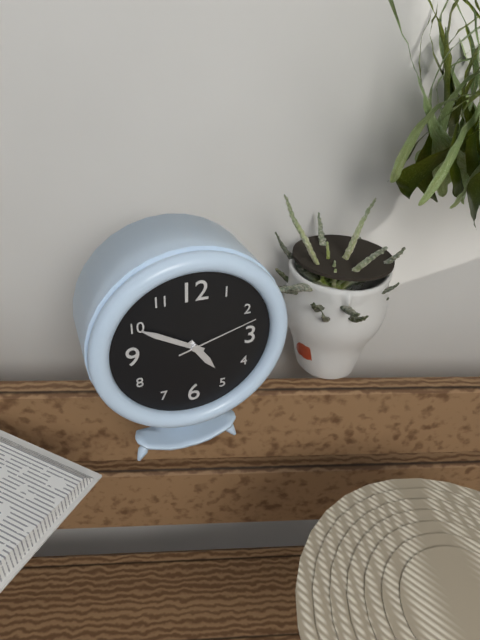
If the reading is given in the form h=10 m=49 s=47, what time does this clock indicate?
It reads h=4 m=50 s=12
